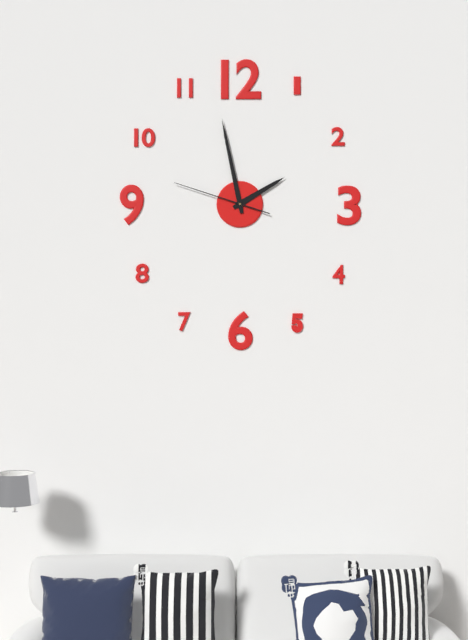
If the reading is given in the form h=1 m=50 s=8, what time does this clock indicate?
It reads h=1 m=58 s=48
